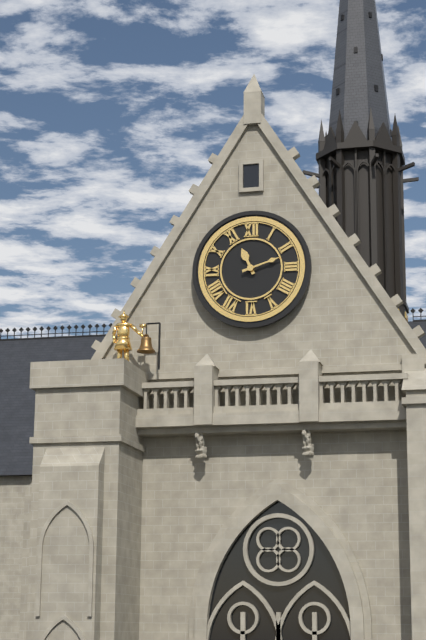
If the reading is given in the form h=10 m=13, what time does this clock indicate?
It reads h=11 m=12
